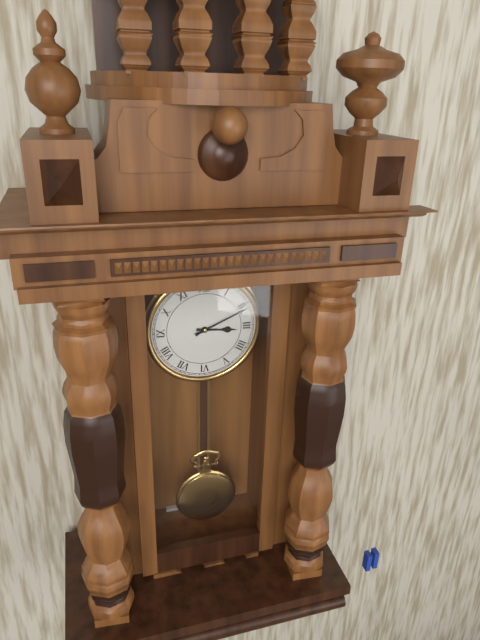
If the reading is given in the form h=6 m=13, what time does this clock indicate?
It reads h=3 m=11
